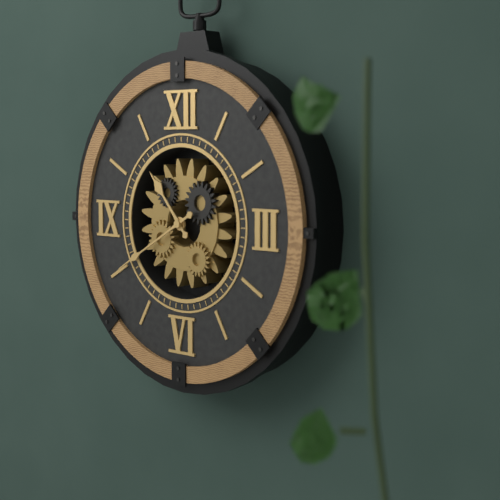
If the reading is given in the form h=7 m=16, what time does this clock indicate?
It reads h=10 m=40
